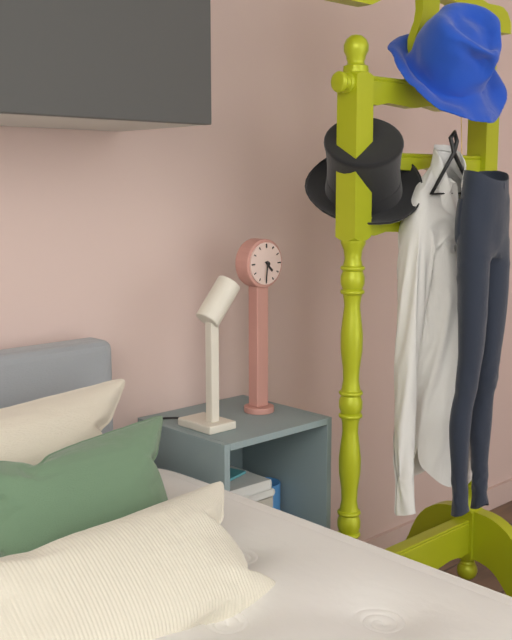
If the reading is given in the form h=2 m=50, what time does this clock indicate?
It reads h=4 m=31
